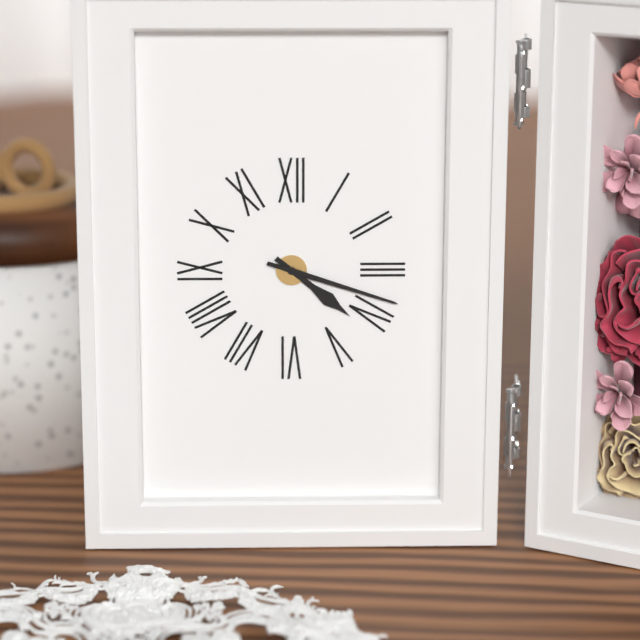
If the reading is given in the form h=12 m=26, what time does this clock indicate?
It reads h=4 m=18
